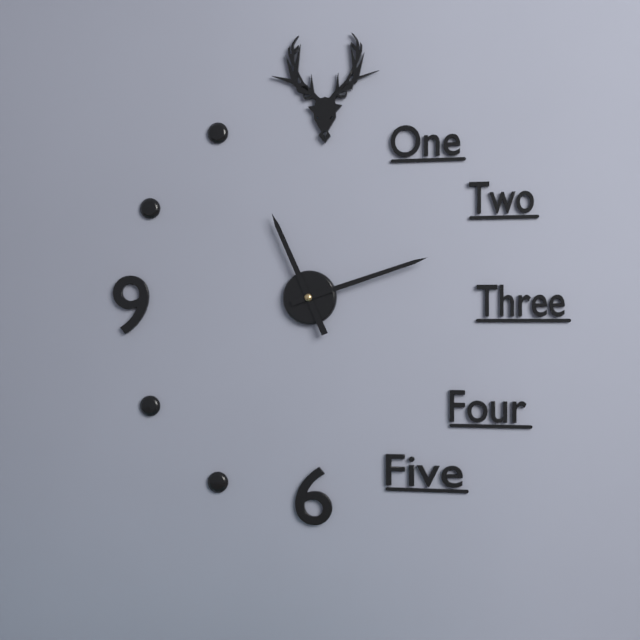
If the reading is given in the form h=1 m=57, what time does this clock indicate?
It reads h=11 m=12
